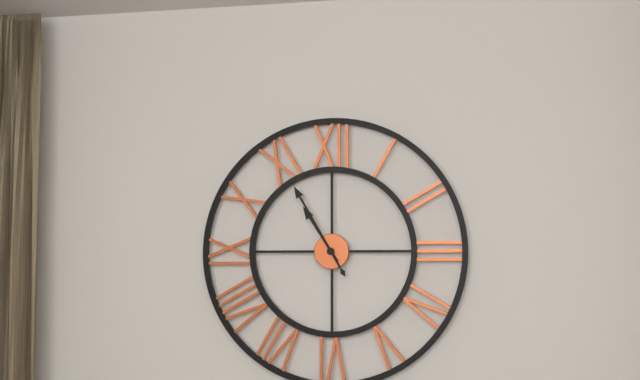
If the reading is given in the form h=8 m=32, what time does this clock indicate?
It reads h=10 m=55
